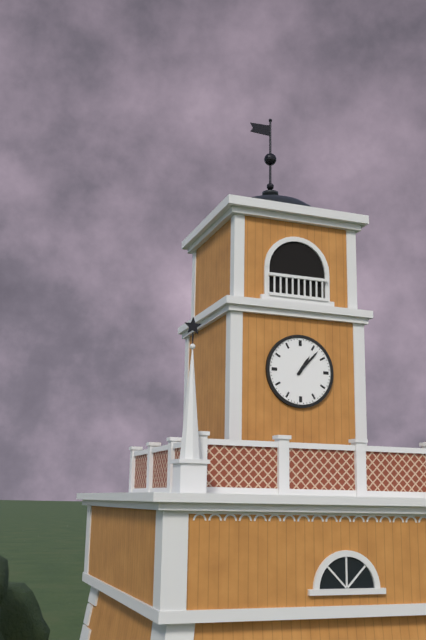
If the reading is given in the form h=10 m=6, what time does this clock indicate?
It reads h=1 m=7
